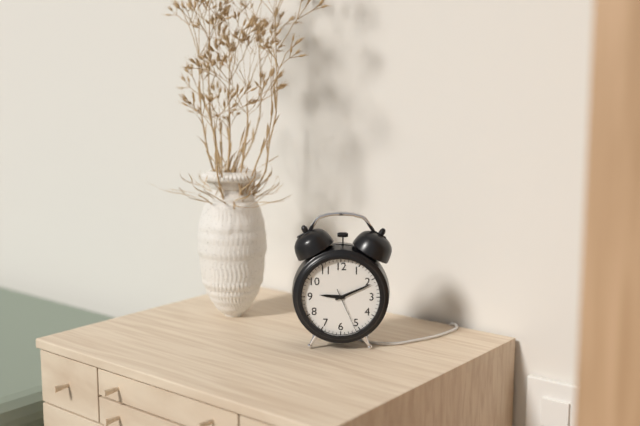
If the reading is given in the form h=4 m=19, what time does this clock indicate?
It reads h=9 m=11
